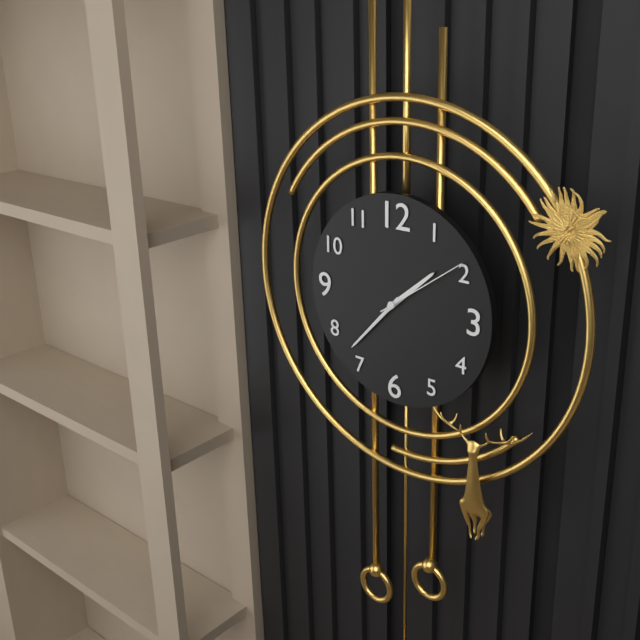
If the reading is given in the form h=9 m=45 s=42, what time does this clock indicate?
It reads h=1 m=37 s=9
